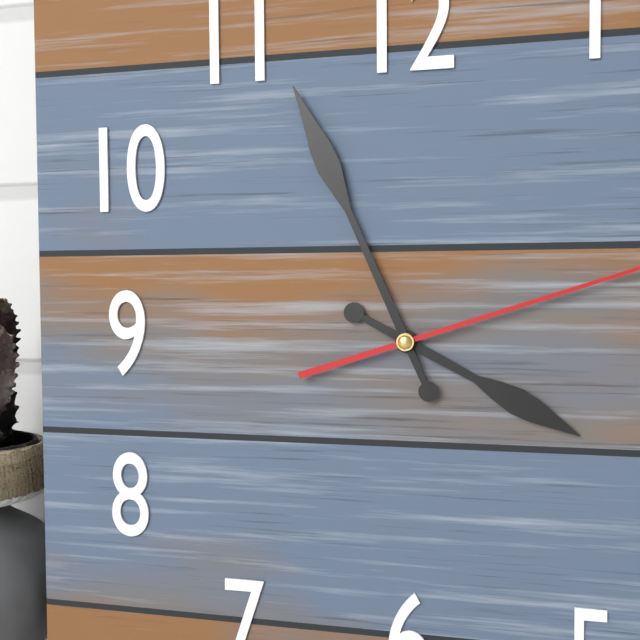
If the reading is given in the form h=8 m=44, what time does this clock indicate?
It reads h=3 m=56
